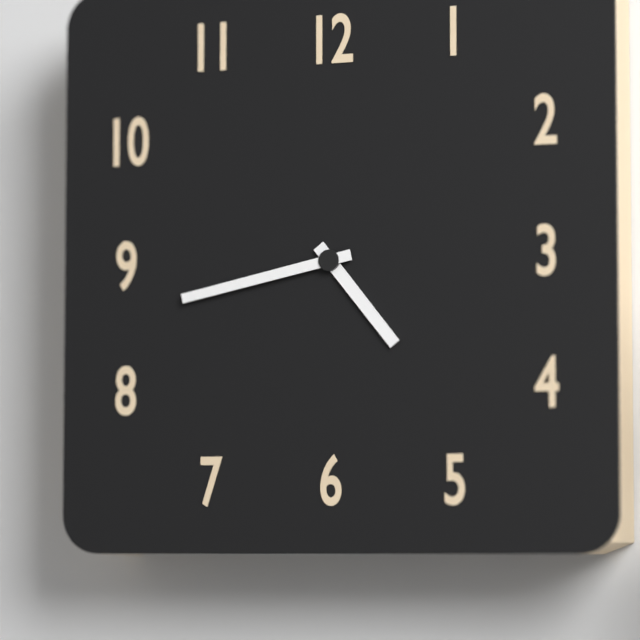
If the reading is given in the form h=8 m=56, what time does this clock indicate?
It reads h=4 m=43
